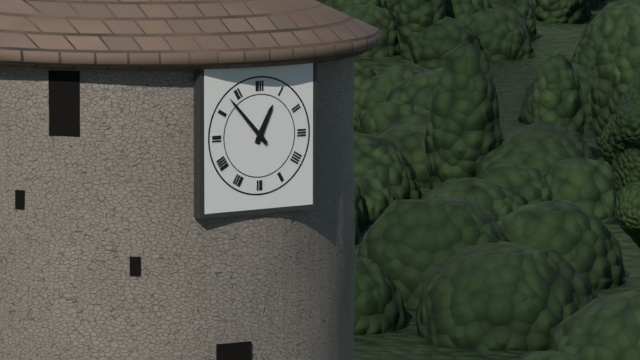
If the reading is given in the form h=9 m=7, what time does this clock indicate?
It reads h=12 m=53
